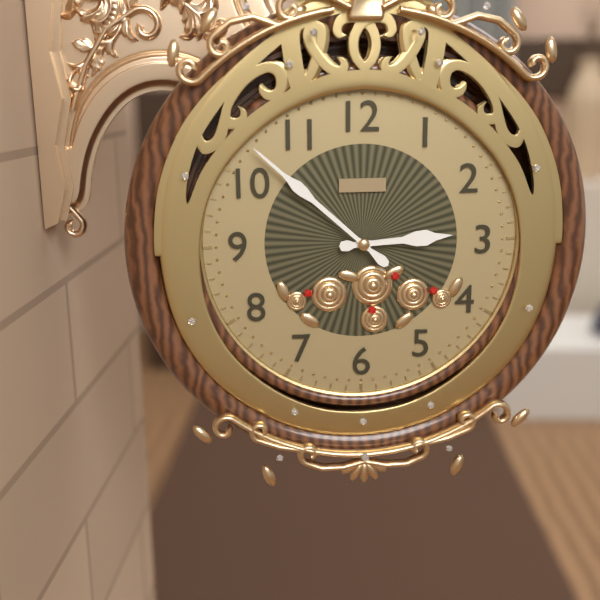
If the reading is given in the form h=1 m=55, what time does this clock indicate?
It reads h=2 m=52
